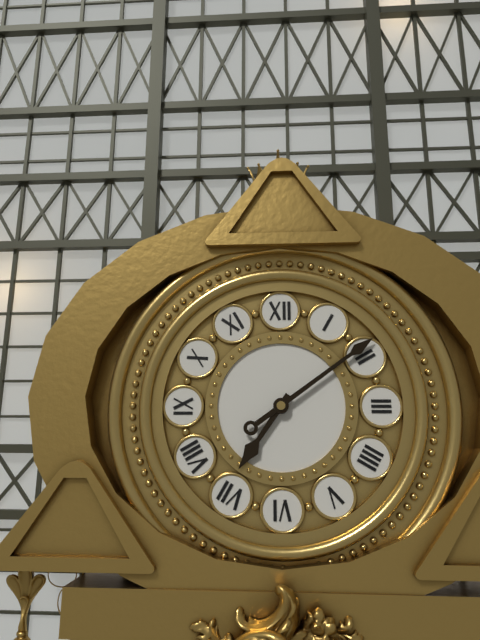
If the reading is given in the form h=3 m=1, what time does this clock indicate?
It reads h=7 m=9
